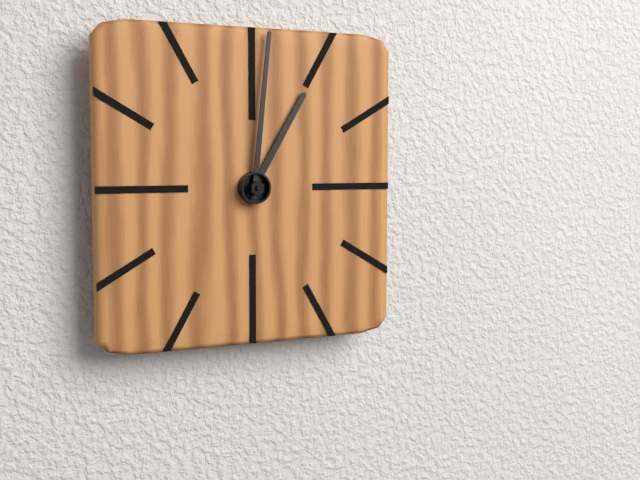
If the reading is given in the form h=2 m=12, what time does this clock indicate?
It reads h=1 m=1
